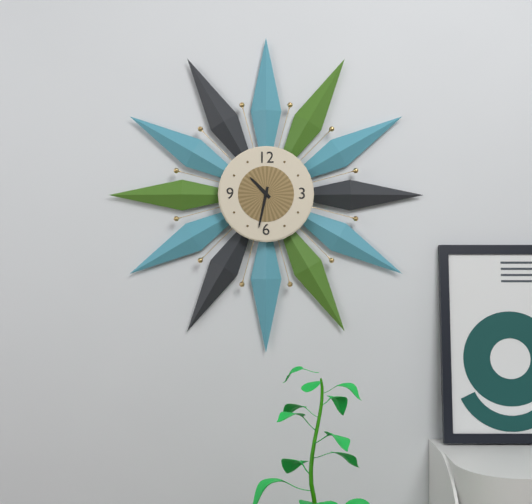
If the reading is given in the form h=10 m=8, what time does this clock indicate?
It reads h=10 m=32
